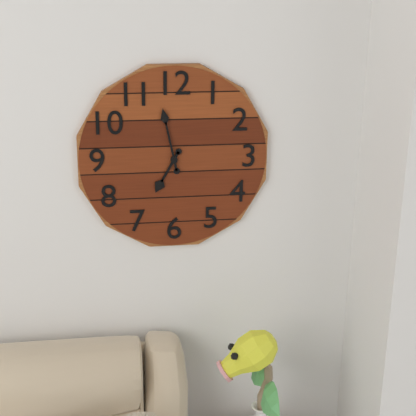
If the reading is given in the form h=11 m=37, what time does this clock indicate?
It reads h=6 m=58
